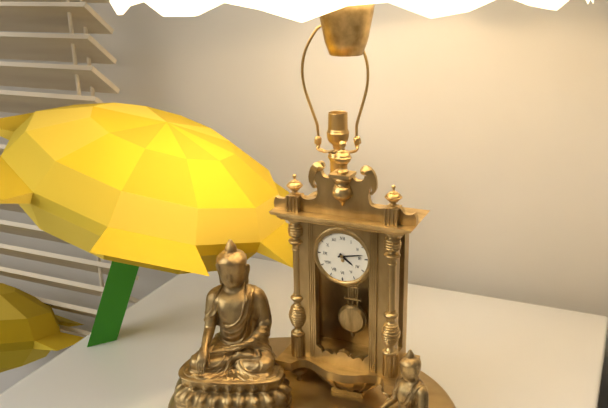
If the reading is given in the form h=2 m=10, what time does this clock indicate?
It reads h=4 m=13
